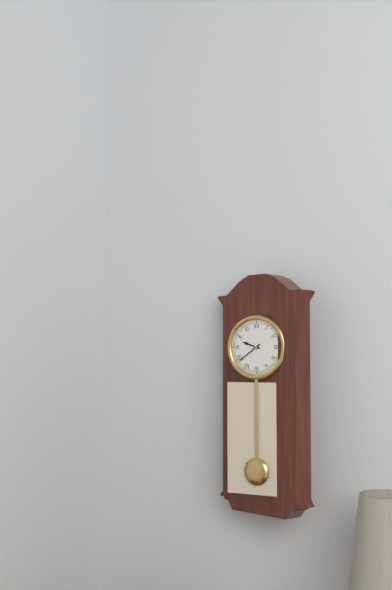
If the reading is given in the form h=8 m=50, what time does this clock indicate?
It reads h=9 m=39
